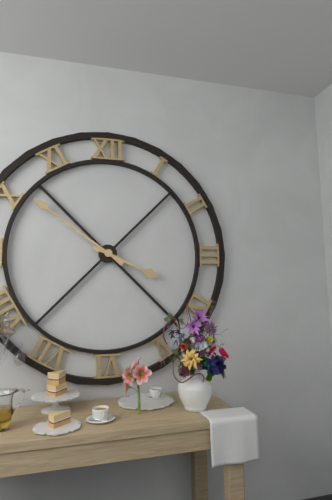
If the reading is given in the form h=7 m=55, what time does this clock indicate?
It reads h=3 m=51
